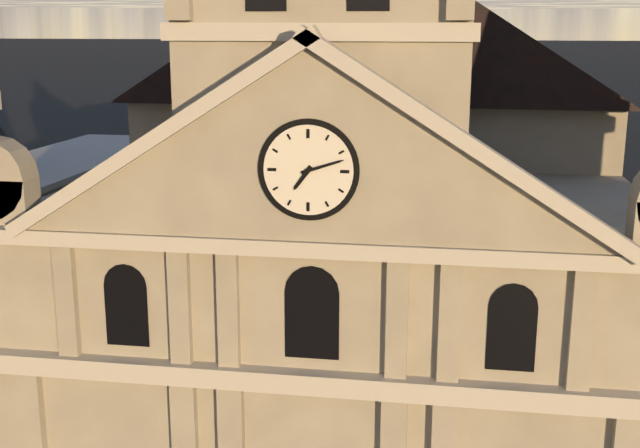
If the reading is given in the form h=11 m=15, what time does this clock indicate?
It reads h=7 m=12
